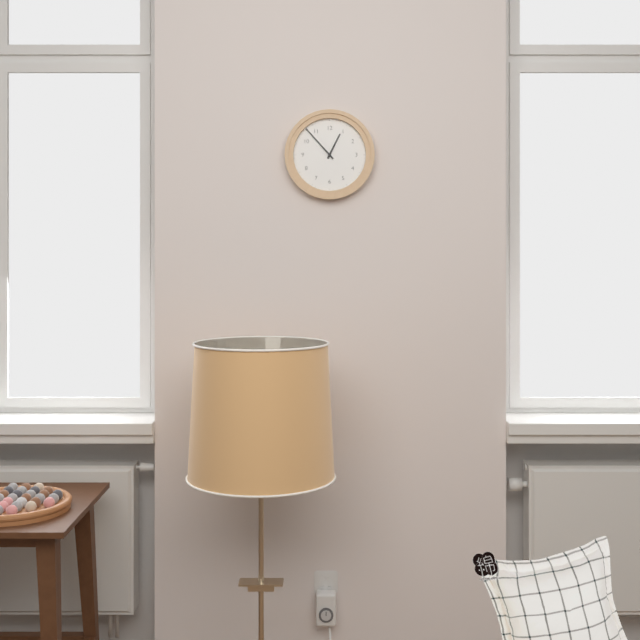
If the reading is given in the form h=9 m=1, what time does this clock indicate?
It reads h=12 m=53
